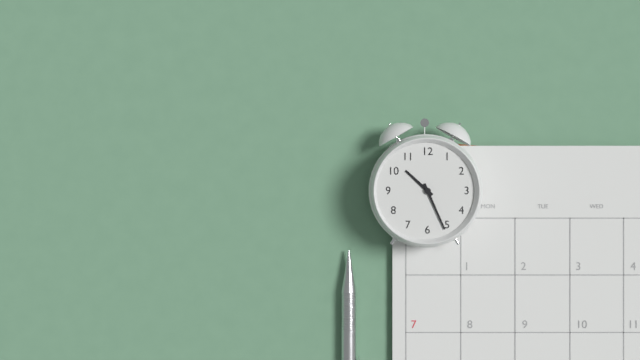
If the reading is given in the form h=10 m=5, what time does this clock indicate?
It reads h=10 m=26
